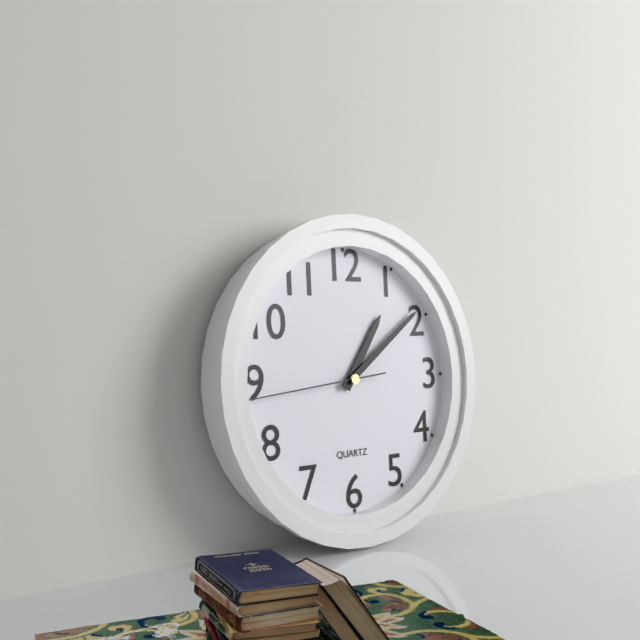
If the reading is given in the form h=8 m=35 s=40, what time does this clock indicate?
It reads h=1 m=9 s=44
